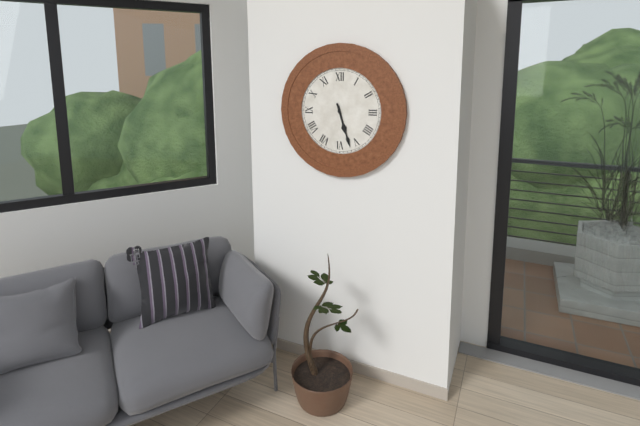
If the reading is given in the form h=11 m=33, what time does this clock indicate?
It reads h=5 m=27
